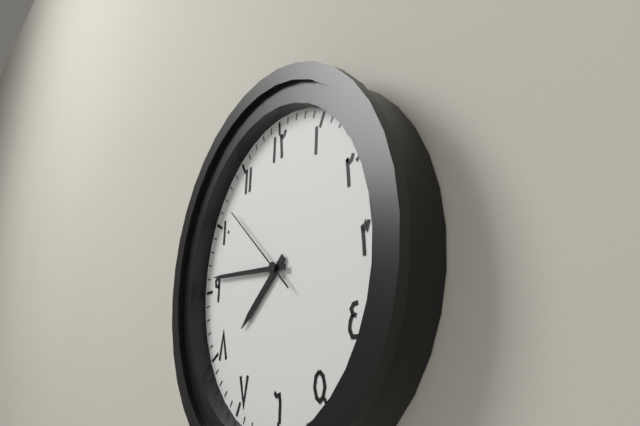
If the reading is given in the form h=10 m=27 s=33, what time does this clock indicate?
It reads h=7 m=46 s=52
